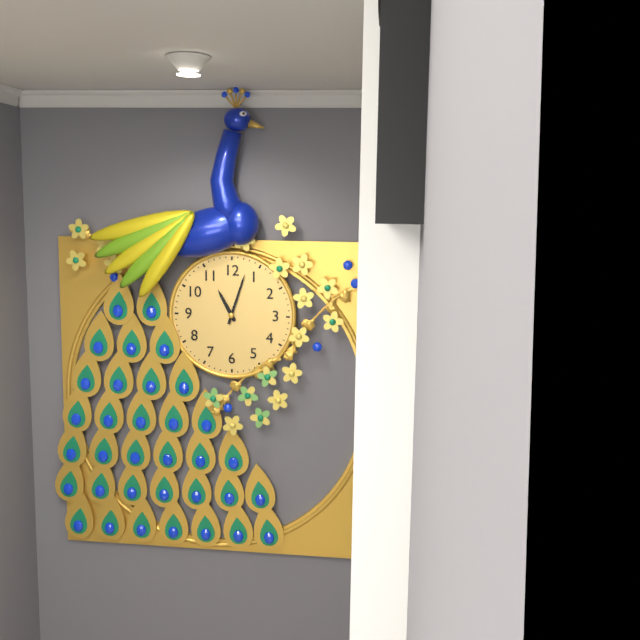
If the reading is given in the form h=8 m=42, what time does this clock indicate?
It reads h=11 m=3
